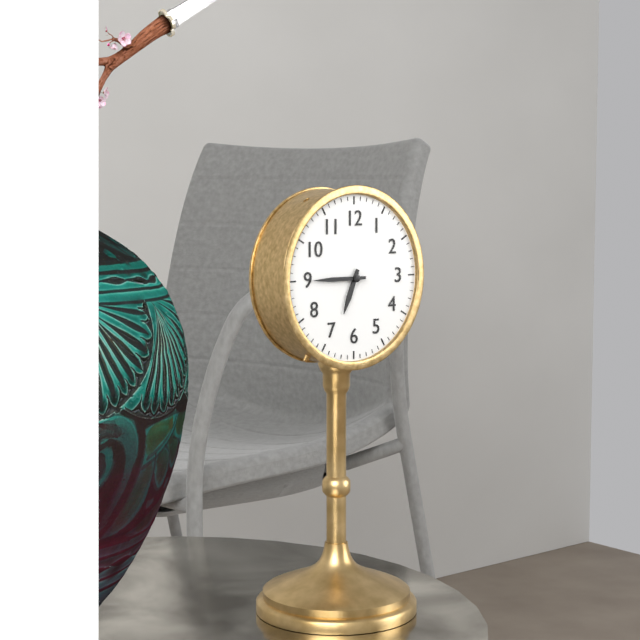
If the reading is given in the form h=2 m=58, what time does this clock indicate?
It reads h=6 m=45
